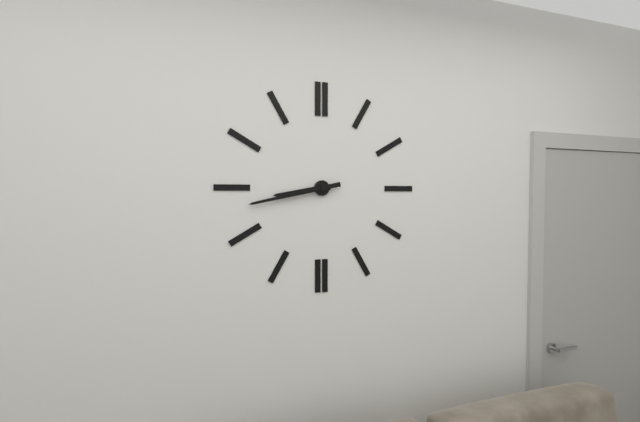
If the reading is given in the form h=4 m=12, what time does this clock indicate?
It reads h=8 m=43
